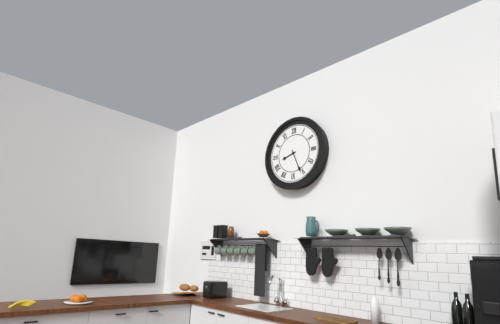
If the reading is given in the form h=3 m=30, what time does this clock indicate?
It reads h=8 m=26
